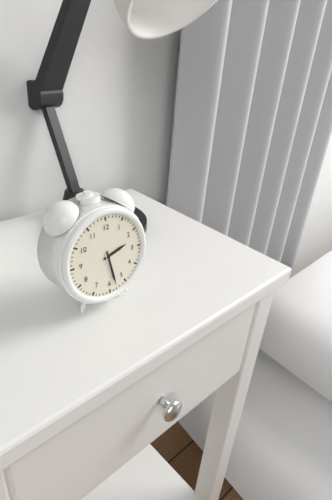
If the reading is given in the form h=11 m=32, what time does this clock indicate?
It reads h=2 m=28
